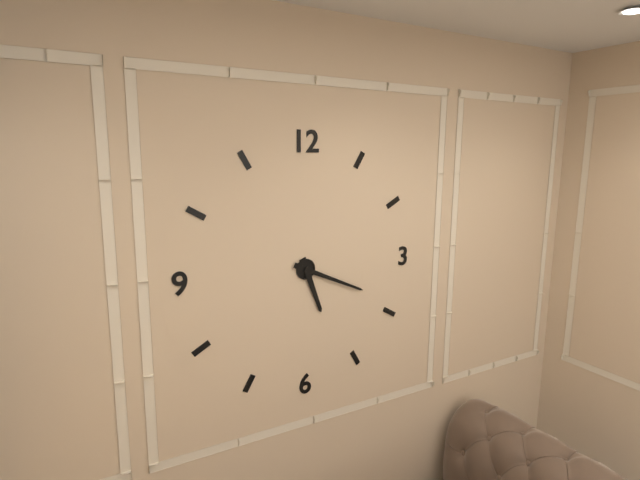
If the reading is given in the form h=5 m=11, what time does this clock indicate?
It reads h=5 m=19
